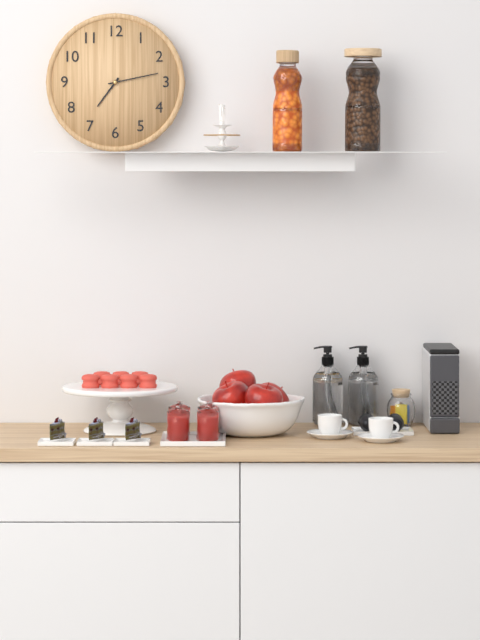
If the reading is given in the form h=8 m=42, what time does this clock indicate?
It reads h=7 m=13
